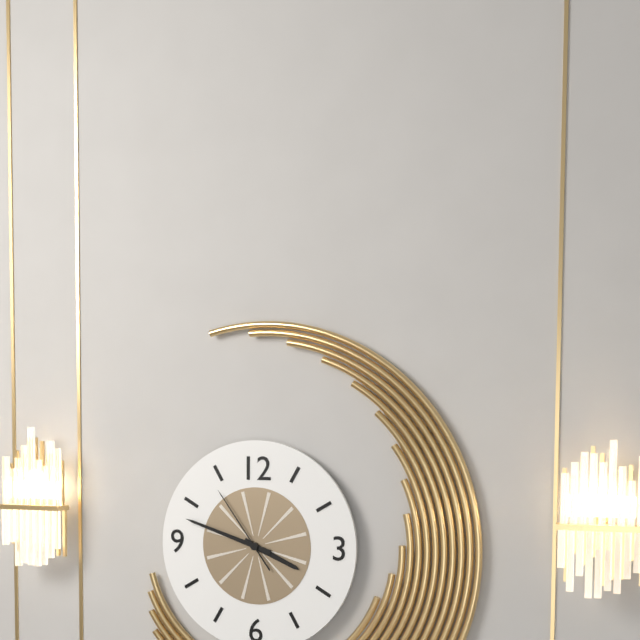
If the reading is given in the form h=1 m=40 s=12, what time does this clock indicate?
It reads h=3 m=48 s=54
